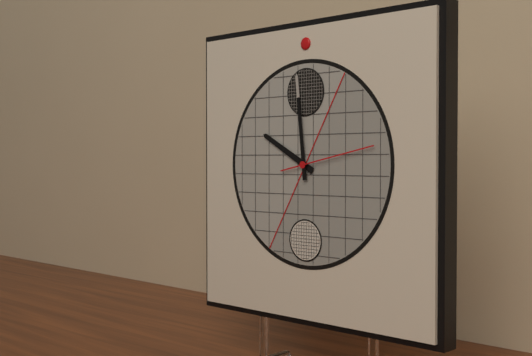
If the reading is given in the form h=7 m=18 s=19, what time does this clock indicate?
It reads h=9 m=59 s=13
